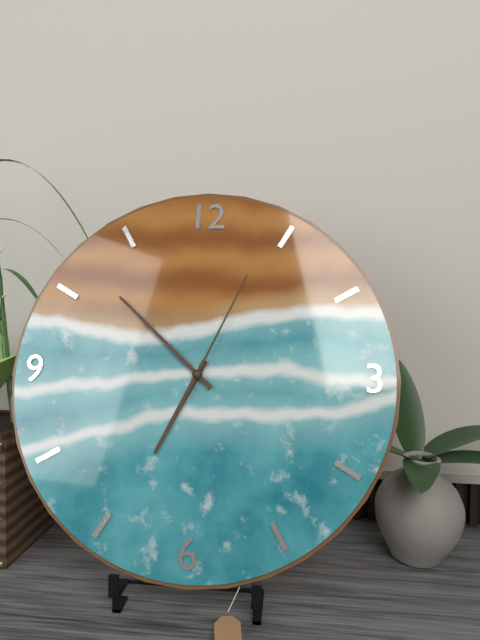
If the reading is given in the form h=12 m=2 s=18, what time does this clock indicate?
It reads h=6 m=52 s=4
